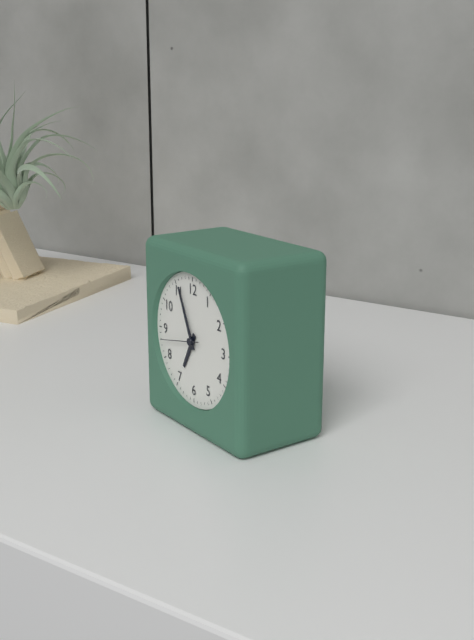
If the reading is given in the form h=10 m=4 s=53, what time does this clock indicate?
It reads h=6 m=56 s=43
